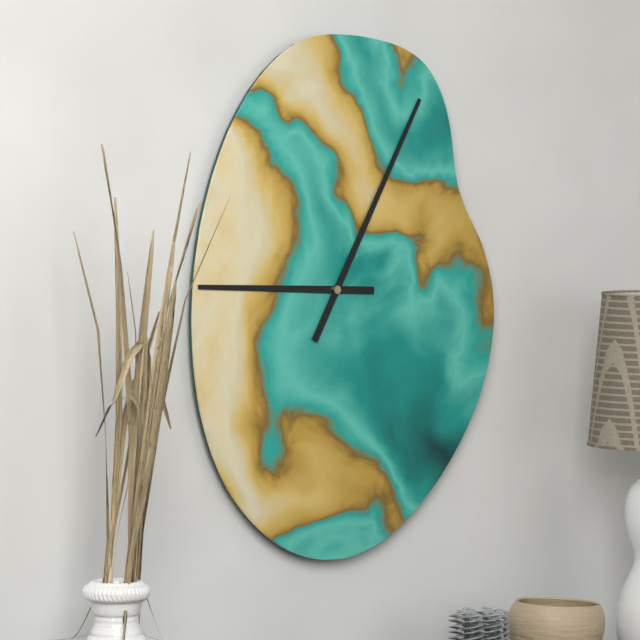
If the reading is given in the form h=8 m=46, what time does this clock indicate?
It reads h=9 m=5
